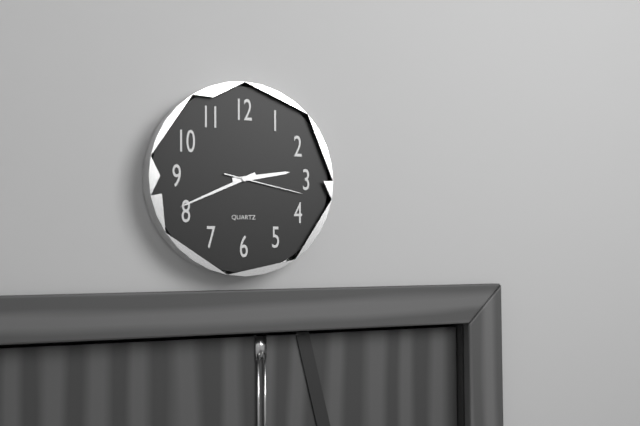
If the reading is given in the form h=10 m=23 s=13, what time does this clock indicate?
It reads h=2 m=41 s=17
